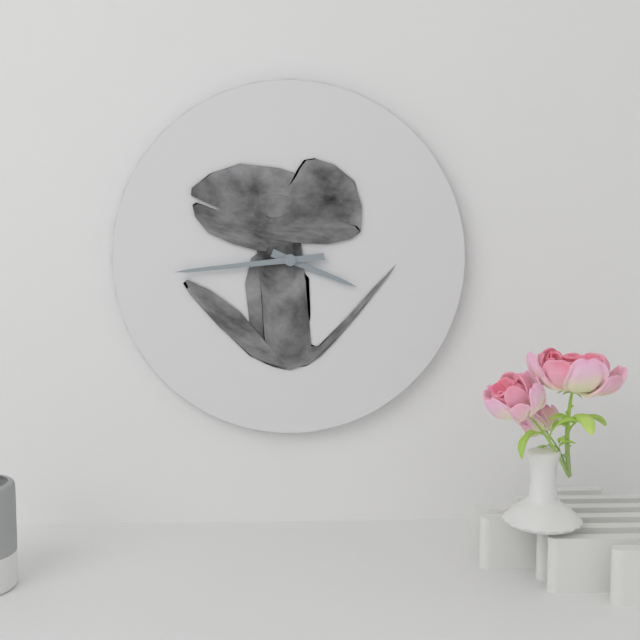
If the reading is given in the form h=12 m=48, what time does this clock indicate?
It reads h=3 m=44
